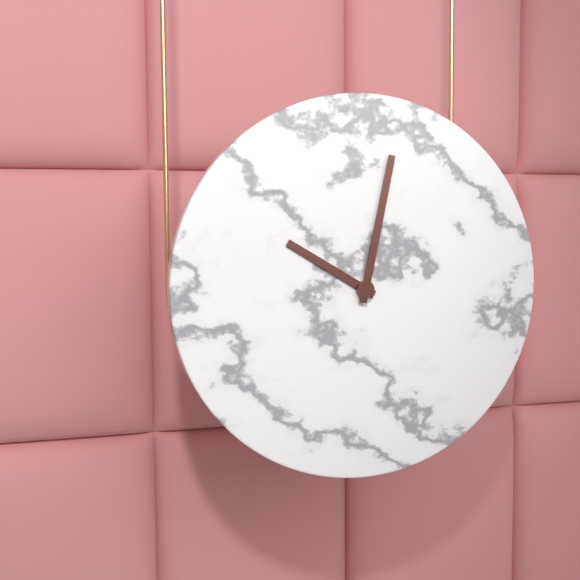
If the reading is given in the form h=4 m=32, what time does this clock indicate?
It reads h=10 m=2
